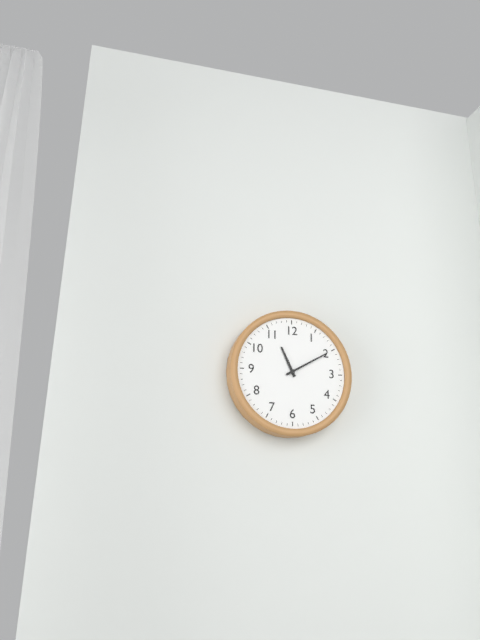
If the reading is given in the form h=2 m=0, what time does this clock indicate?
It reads h=11 m=10
